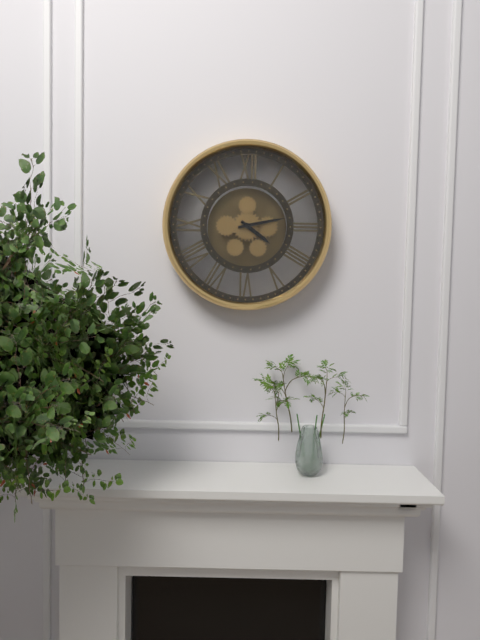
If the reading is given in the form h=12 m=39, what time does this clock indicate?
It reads h=4 m=13
